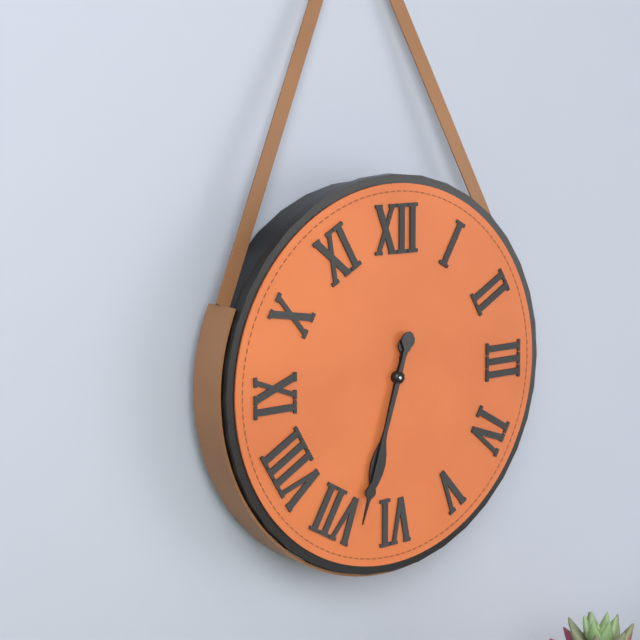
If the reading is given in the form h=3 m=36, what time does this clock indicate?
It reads h=6 m=33
